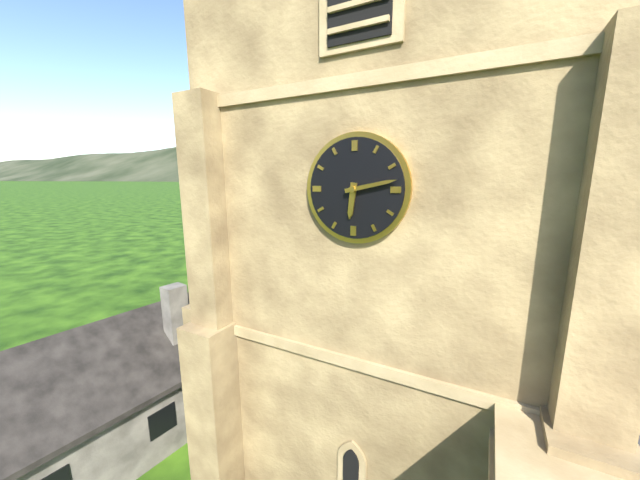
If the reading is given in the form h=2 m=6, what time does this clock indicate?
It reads h=6 m=13
